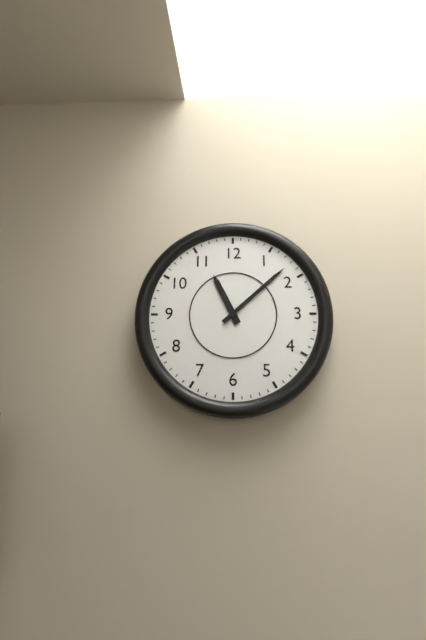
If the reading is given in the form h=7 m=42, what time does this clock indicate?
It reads h=11 m=8
